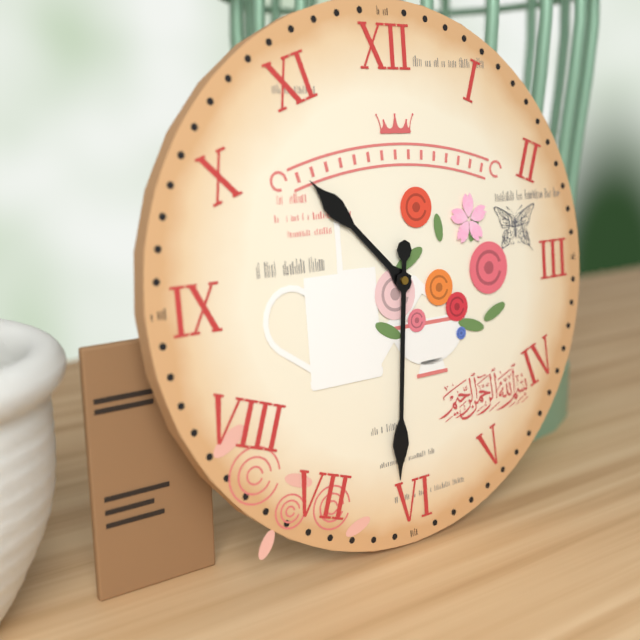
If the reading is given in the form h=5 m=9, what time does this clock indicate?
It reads h=10 m=31
